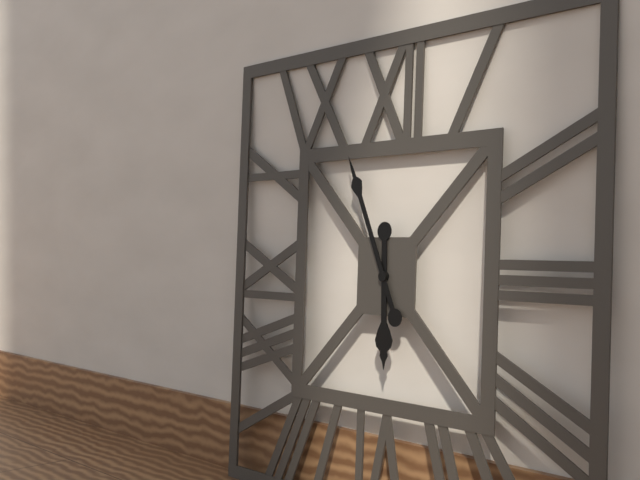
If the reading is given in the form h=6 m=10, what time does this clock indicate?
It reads h=5 m=56
